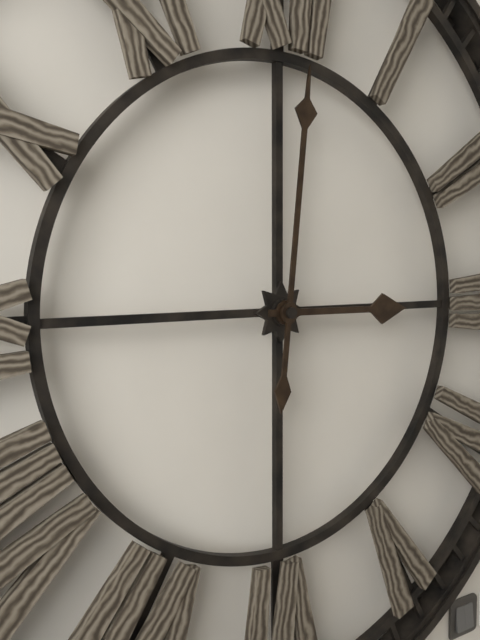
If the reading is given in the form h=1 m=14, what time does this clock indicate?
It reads h=3 m=1
